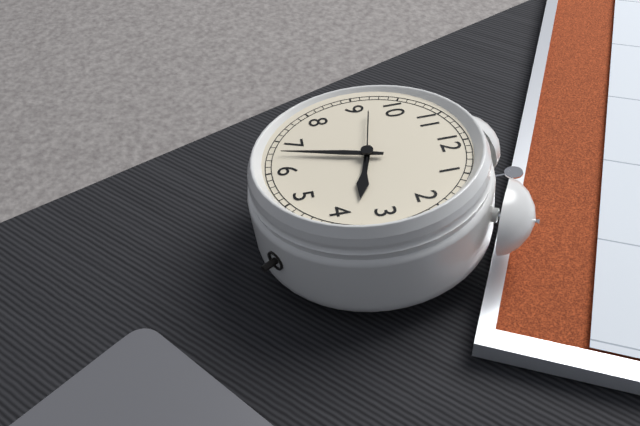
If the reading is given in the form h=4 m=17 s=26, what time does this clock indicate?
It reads h=3 m=33 s=47
